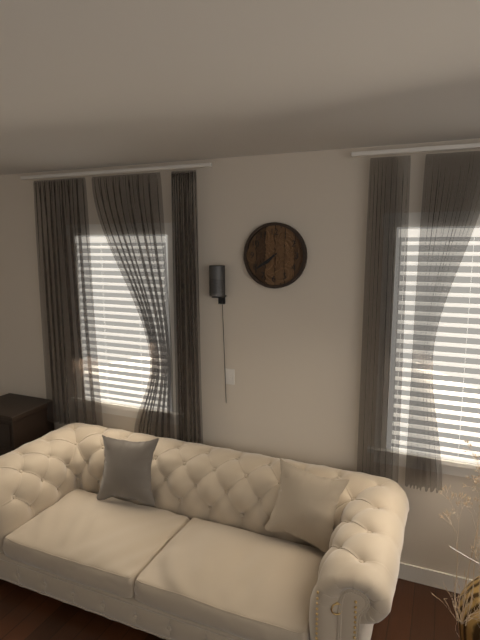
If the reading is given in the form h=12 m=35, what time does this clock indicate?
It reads h=7 m=39
